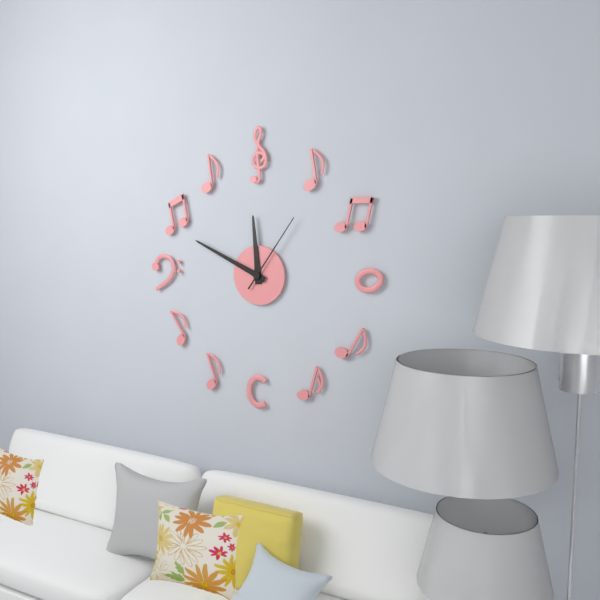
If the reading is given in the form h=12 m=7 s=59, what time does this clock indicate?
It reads h=11 m=49 s=6
